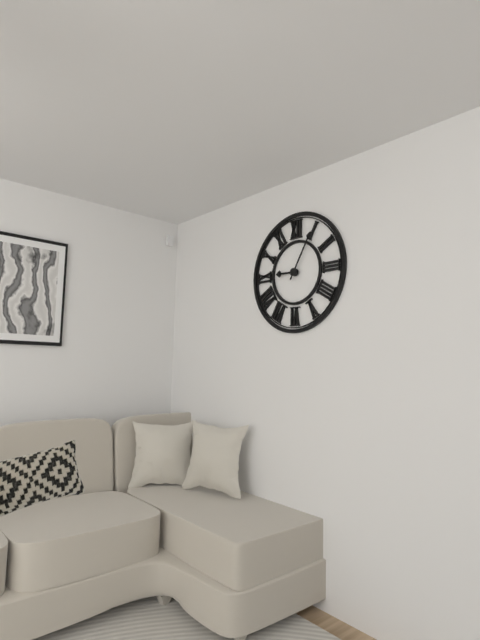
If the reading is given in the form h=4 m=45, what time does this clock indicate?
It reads h=9 m=5
